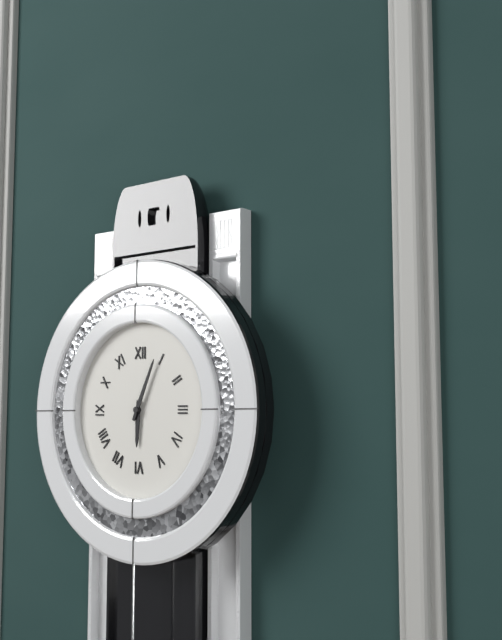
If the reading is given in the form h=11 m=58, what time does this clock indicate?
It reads h=6 m=4
